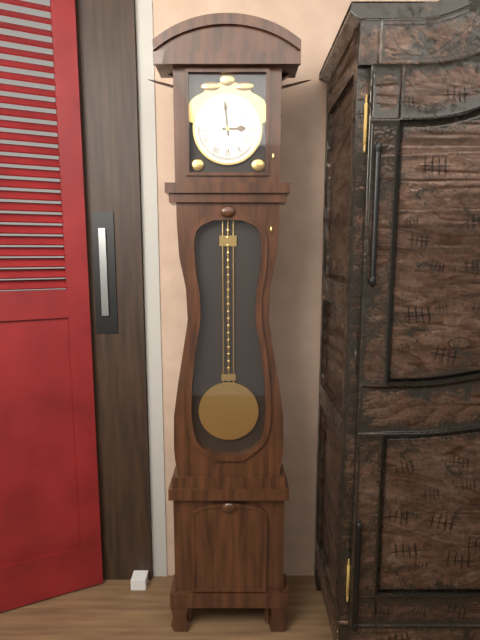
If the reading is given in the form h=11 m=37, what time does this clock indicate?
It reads h=2 m=59
